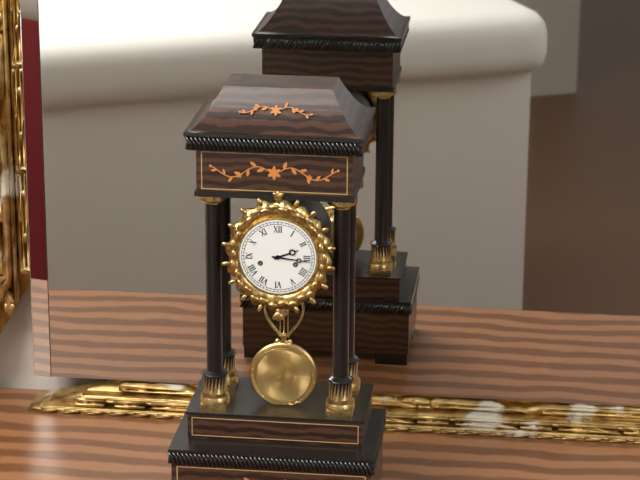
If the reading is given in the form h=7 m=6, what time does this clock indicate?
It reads h=2 m=16
